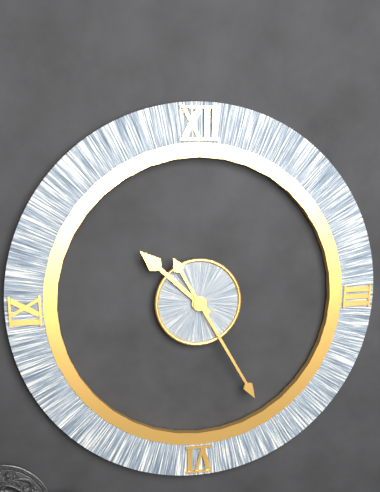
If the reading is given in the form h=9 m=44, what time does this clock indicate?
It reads h=10 m=25
